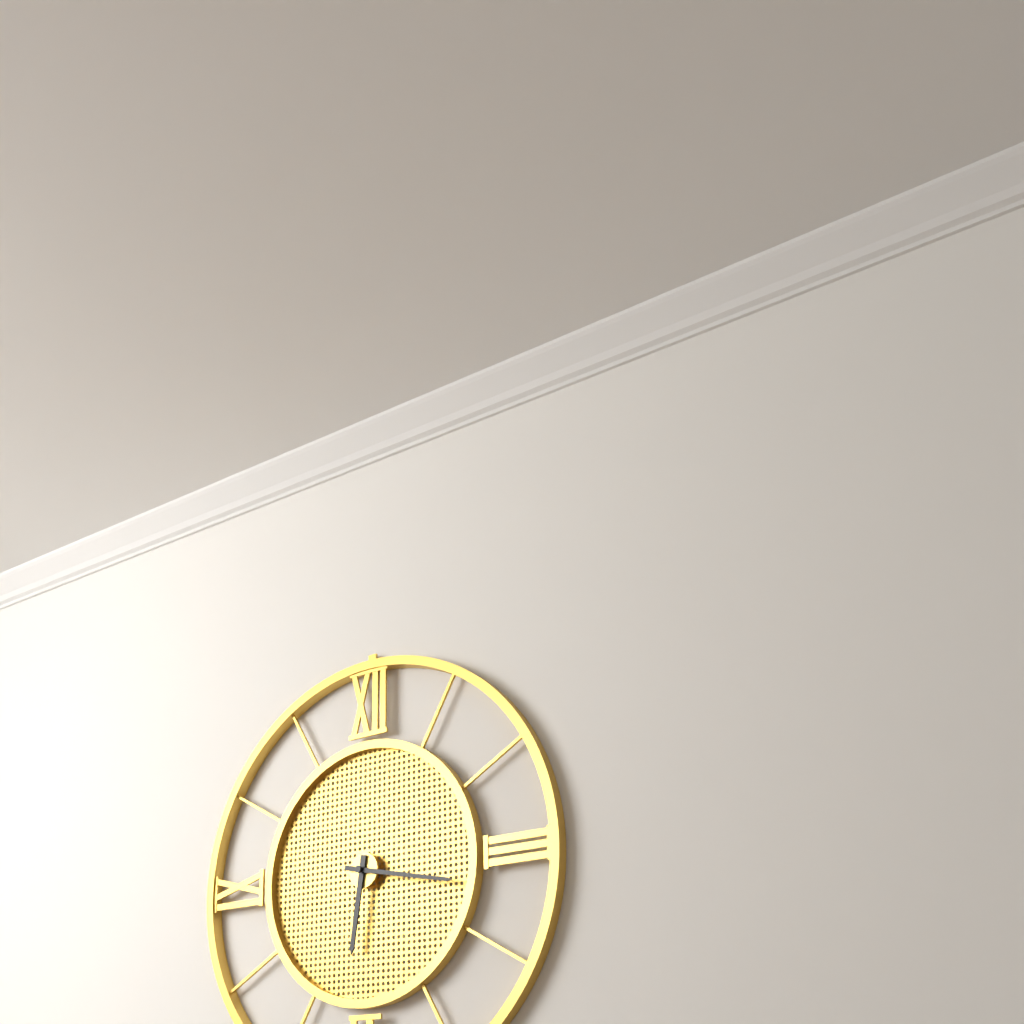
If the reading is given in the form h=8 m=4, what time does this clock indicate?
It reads h=6 m=17
